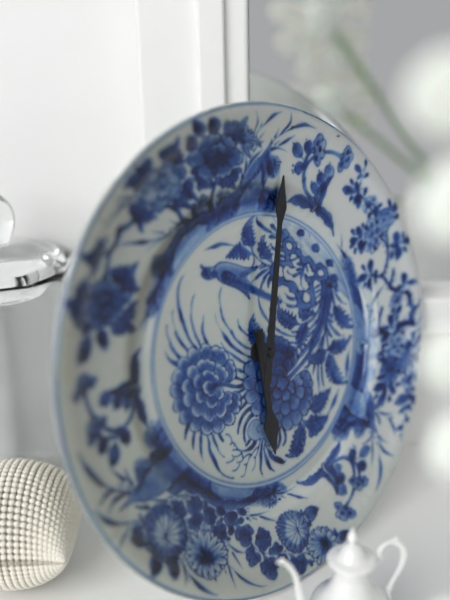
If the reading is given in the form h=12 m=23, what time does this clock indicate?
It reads h=6 m=3
